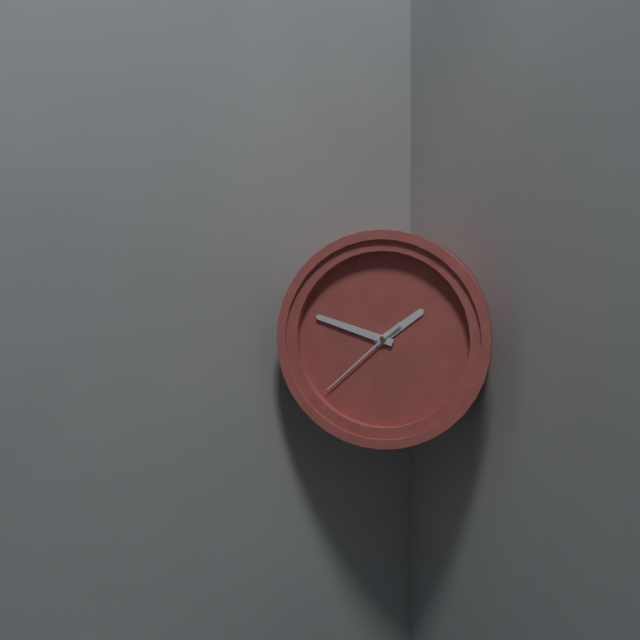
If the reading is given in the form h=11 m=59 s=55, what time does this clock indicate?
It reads h=1 m=48 s=38
